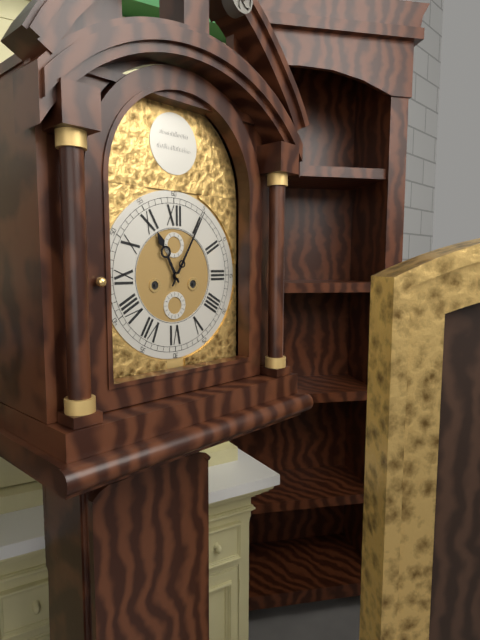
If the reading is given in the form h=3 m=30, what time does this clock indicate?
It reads h=11 m=5
